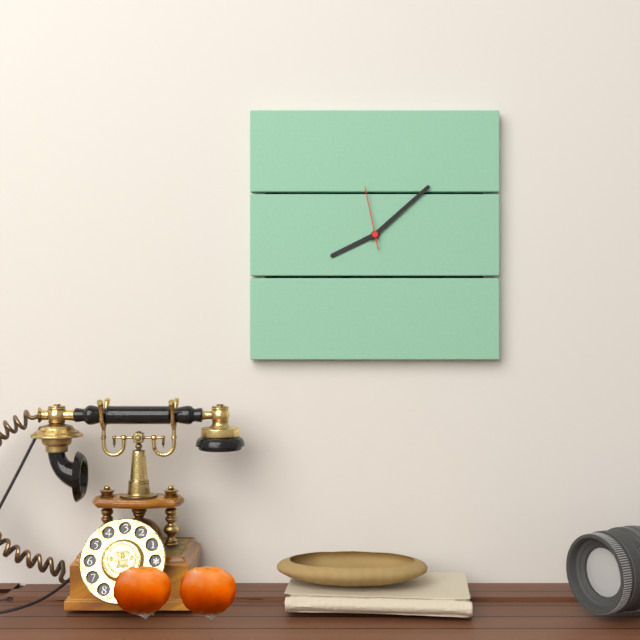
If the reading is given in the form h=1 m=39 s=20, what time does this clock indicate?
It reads h=8 m=8 s=58
